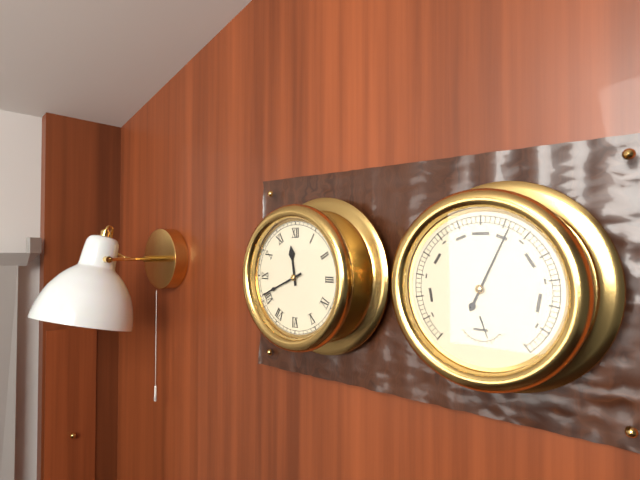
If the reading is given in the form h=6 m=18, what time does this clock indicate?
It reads h=11 m=41
